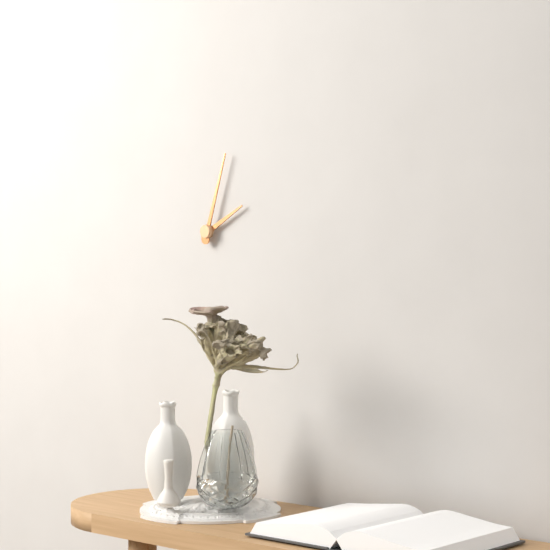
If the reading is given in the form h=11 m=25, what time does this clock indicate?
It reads h=2 m=3
